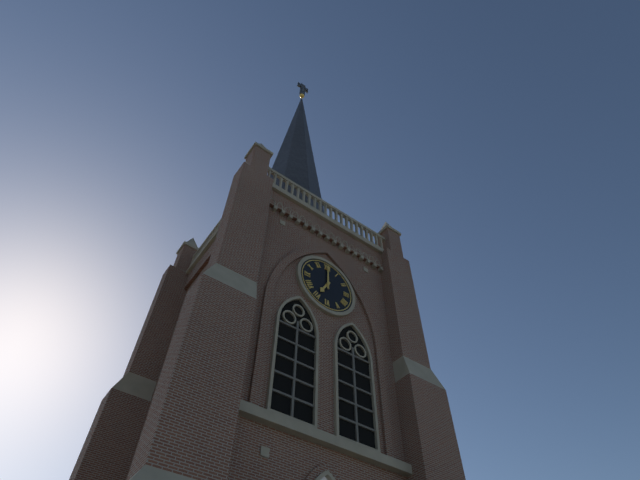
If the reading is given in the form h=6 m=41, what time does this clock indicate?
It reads h=7 m=0
